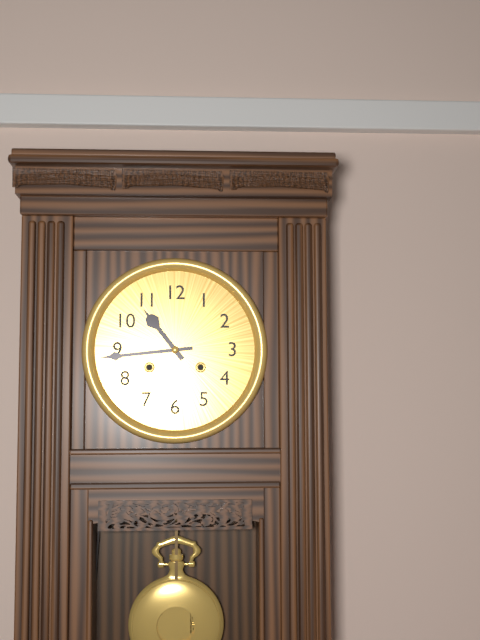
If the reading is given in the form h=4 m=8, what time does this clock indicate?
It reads h=10 m=44
